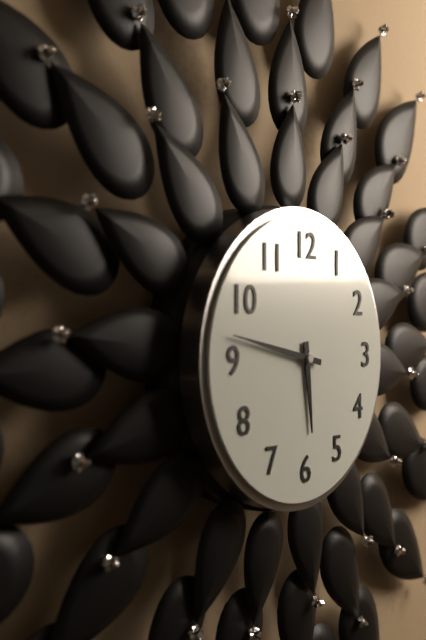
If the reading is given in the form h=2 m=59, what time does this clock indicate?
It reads h=5 m=47
